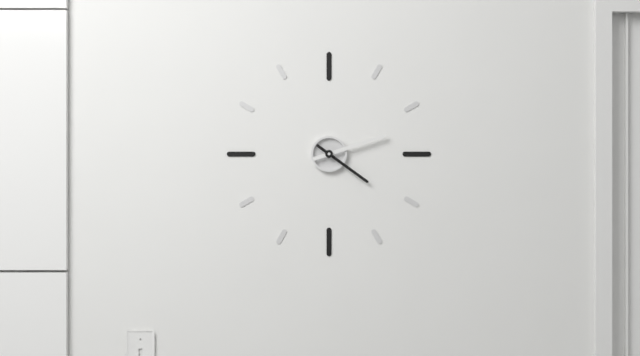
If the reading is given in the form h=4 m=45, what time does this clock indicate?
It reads h=4 m=12
